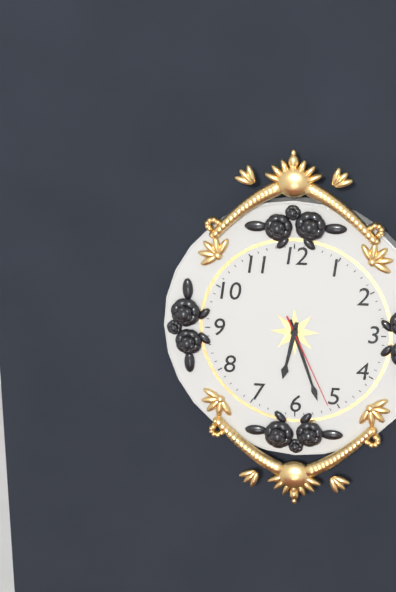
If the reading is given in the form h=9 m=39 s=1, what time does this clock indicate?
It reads h=6 m=27 s=26
